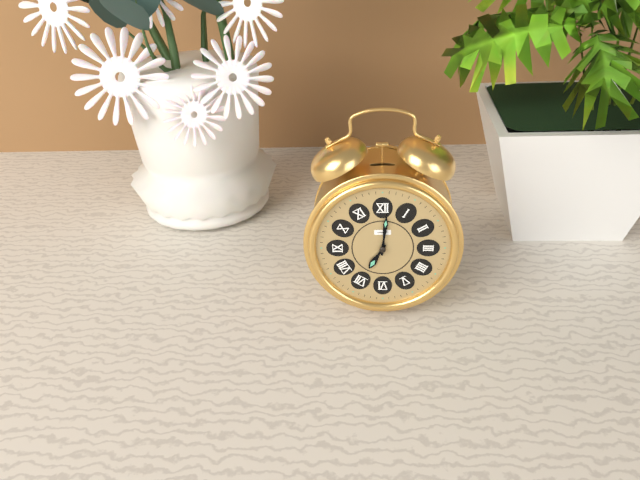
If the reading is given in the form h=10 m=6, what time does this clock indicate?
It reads h=7 m=1
